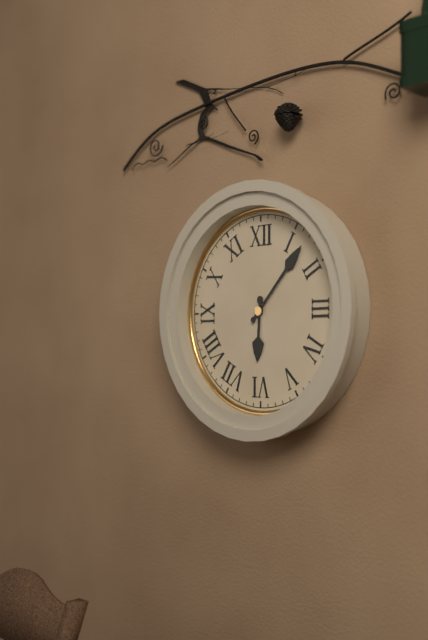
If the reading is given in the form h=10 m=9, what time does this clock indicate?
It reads h=6 m=7
